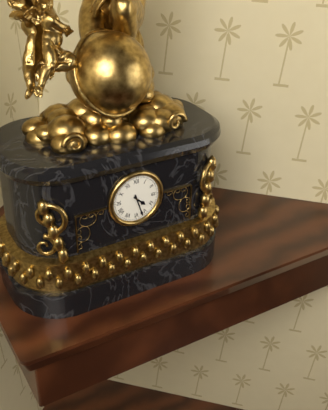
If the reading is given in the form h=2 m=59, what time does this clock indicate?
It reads h=4 m=27
